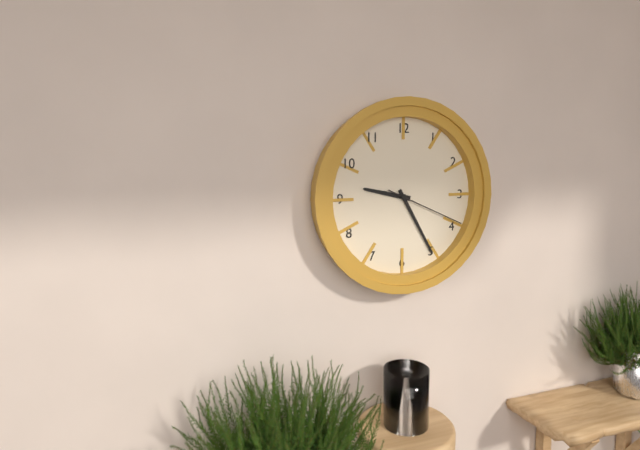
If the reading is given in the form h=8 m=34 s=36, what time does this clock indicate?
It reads h=9 m=25 s=19
